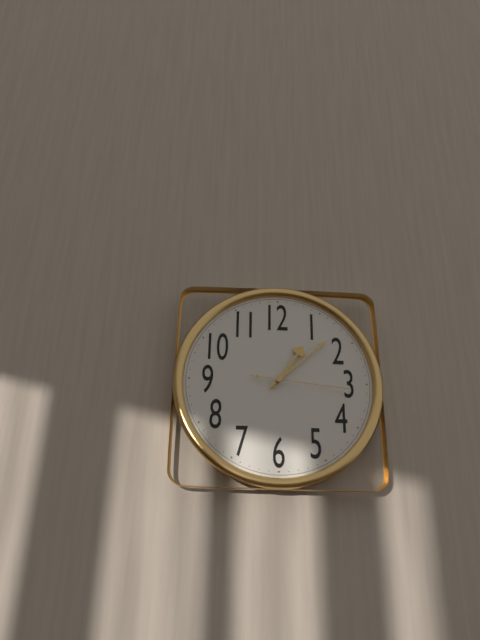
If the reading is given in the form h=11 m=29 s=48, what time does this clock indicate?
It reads h=1 m=8 s=16
